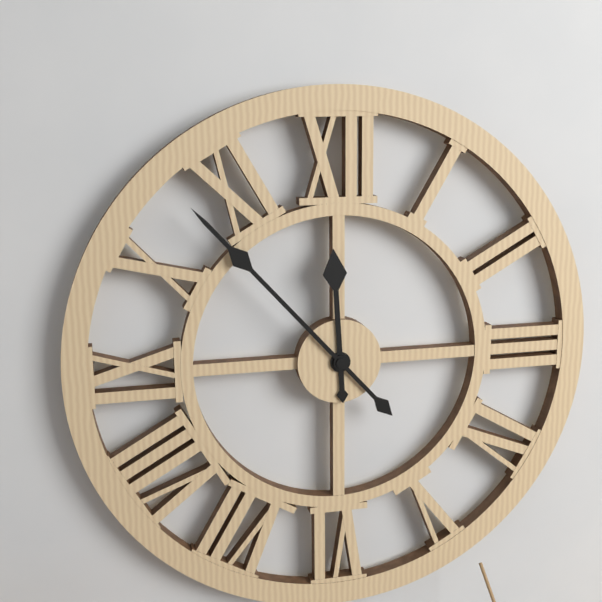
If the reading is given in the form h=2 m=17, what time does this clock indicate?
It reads h=11 m=53
